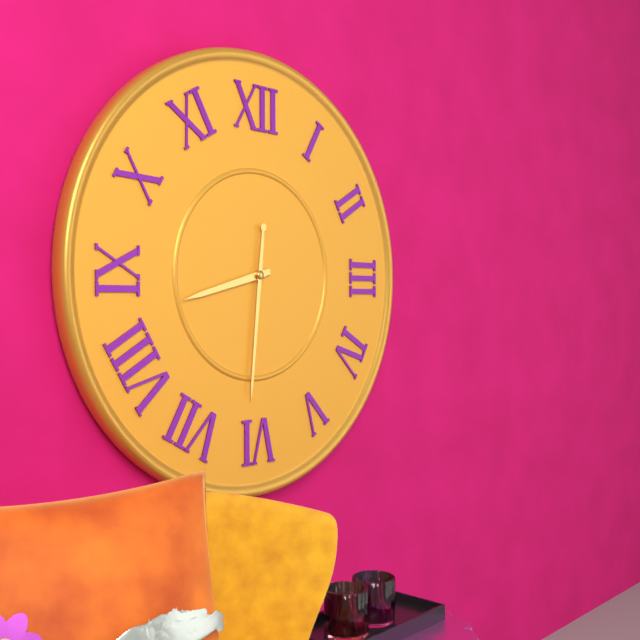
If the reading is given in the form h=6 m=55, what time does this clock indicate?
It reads h=8 m=31
